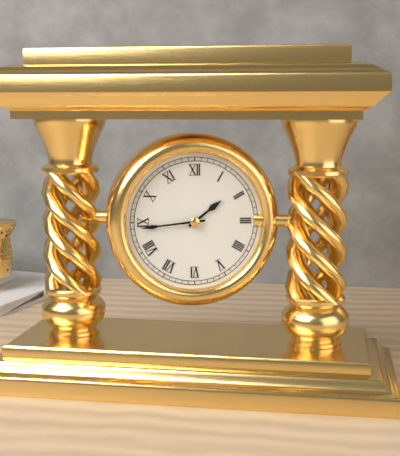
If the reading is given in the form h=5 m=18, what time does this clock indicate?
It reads h=1 m=44
